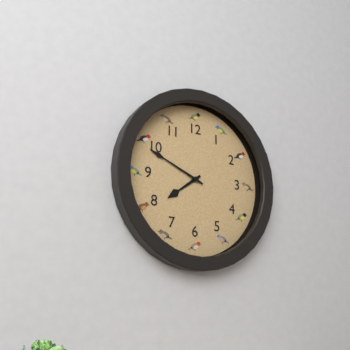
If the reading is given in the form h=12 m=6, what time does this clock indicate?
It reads h=7 m=49
